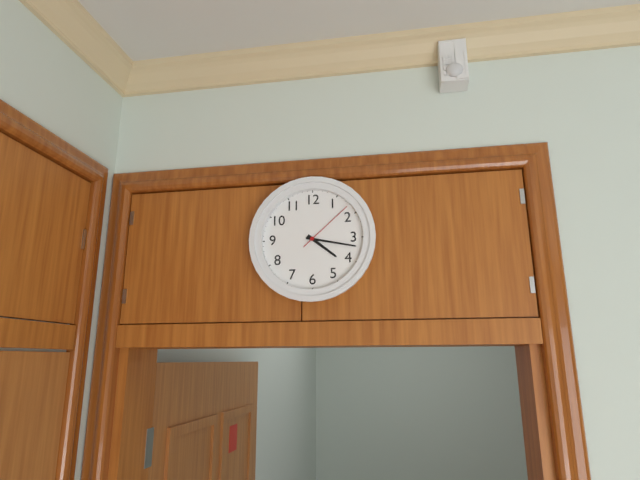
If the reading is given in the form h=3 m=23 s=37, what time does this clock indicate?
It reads h=4 m=17 s=8
